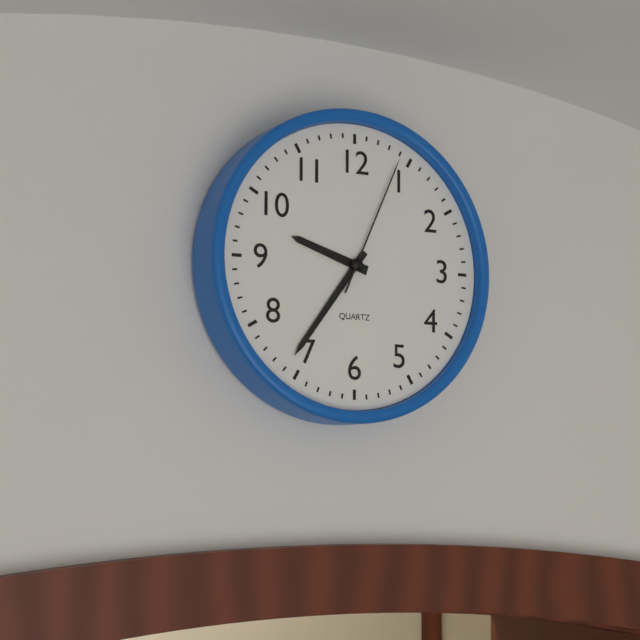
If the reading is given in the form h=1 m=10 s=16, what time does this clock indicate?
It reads h=9 m=36 s=4
